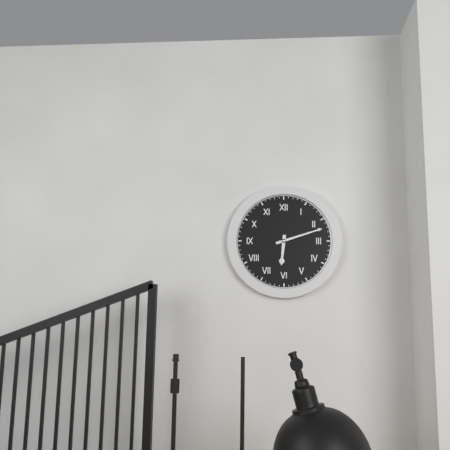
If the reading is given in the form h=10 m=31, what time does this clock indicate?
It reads h=6 m=12
